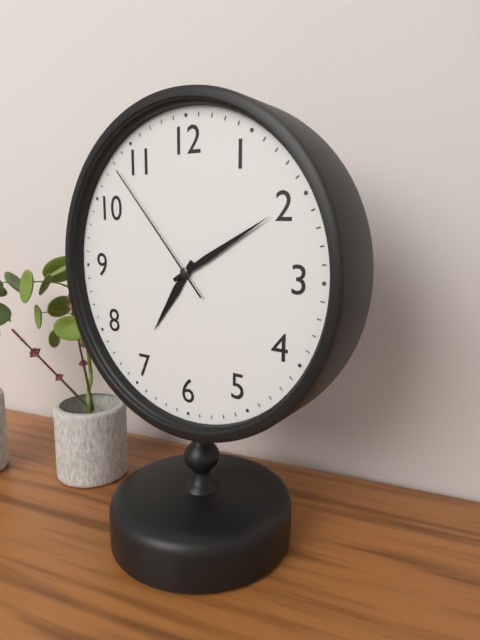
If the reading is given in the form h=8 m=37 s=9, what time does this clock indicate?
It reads h=7 m=10 s=53
